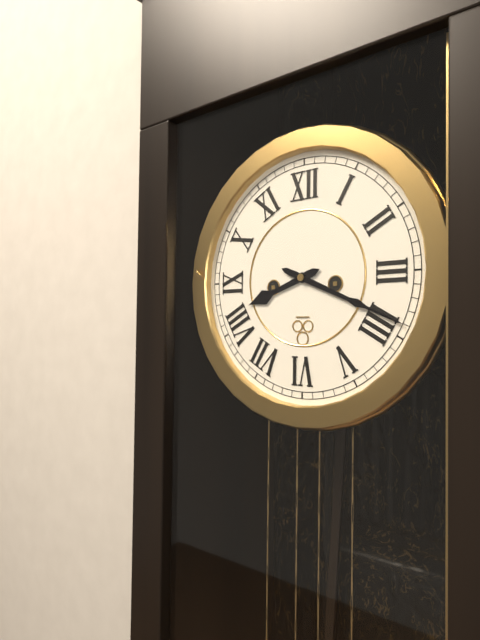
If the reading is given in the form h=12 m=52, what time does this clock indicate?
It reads h=8 m=19
